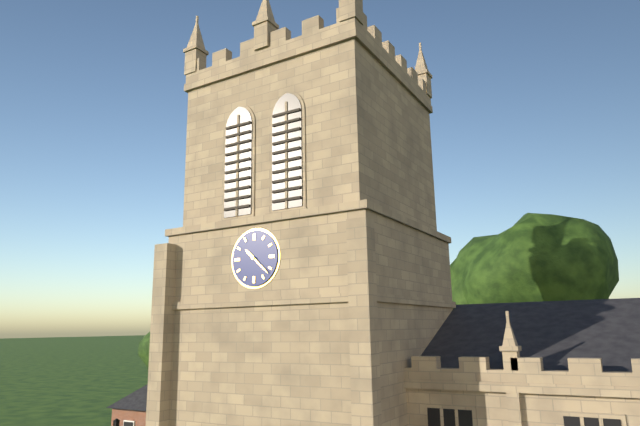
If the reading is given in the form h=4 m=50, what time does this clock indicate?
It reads h=10 m=22
